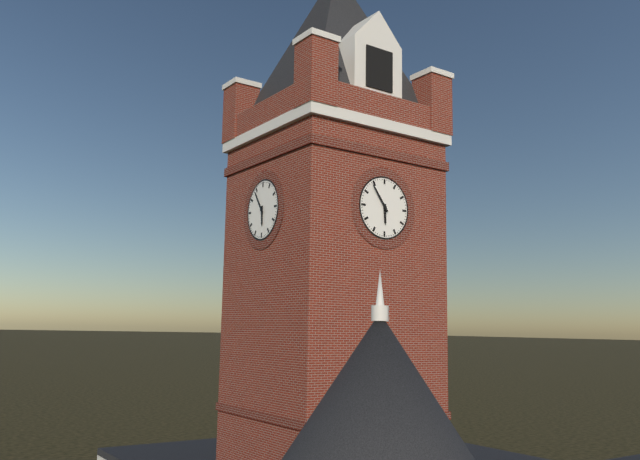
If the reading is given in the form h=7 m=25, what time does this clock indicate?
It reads h=5 m=54
